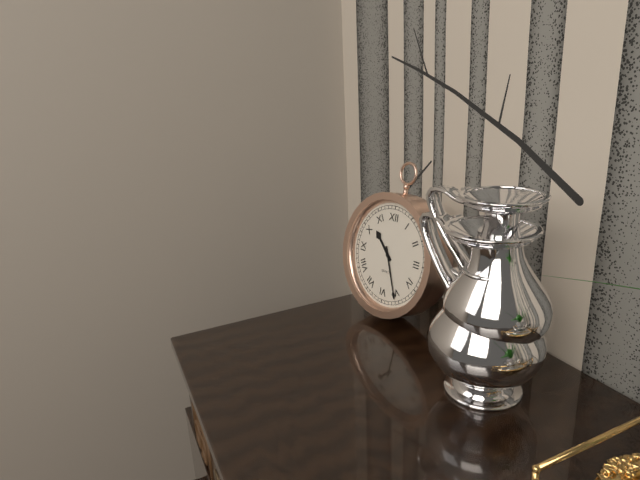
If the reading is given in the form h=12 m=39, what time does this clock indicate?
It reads h=10 m=26
